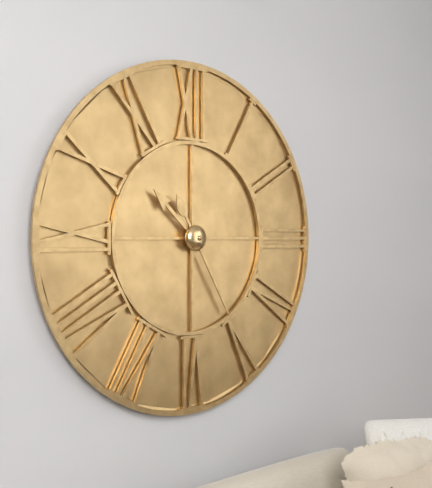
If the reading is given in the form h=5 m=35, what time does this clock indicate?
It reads h=10 m=25
